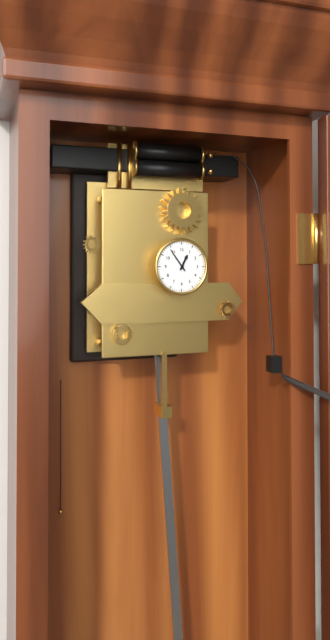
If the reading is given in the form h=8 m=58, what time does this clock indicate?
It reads h=12 m=54
